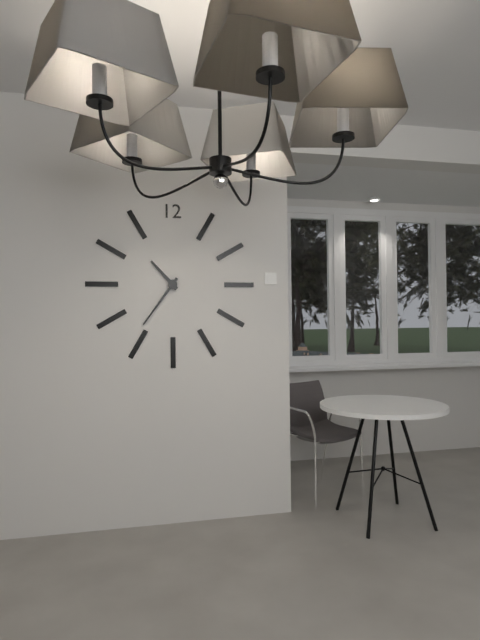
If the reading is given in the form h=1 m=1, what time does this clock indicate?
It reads h=10 m=36
